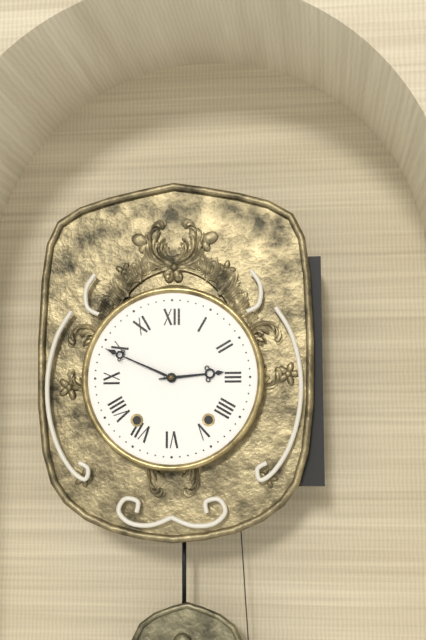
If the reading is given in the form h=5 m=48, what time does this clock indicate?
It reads h=2 m=49
